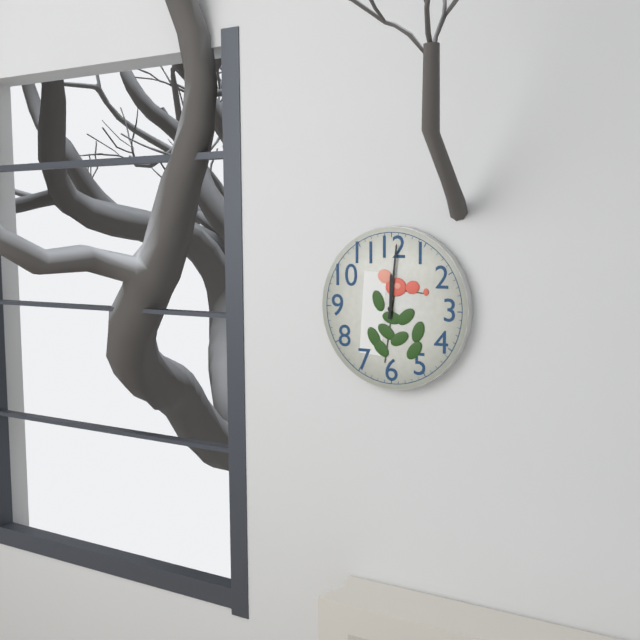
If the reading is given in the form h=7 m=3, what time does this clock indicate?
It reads h=12 m=1
